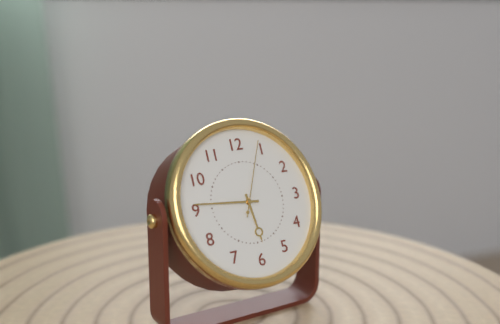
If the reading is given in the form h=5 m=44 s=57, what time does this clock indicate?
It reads h=5 m=46 s=4
